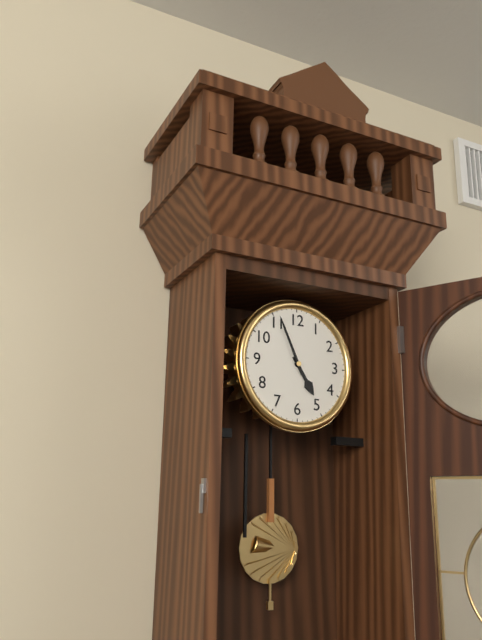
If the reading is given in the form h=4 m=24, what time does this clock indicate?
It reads h=4 m=56
